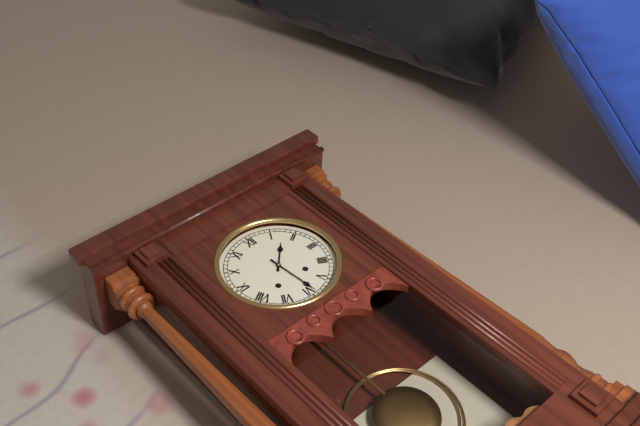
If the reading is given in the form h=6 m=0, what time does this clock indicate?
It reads h=1 m=29
